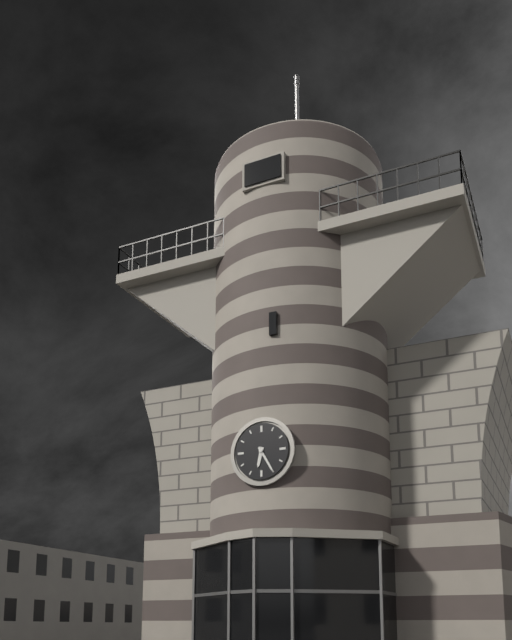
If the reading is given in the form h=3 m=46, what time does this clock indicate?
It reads h=6 m=25
